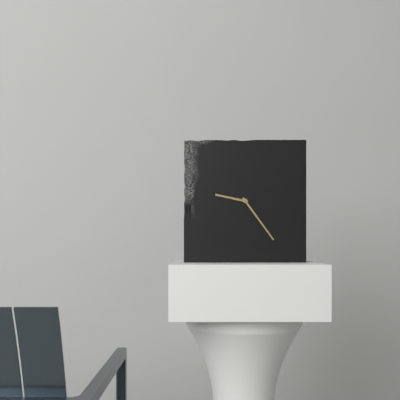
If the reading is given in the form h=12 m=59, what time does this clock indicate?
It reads h=9 m=24
